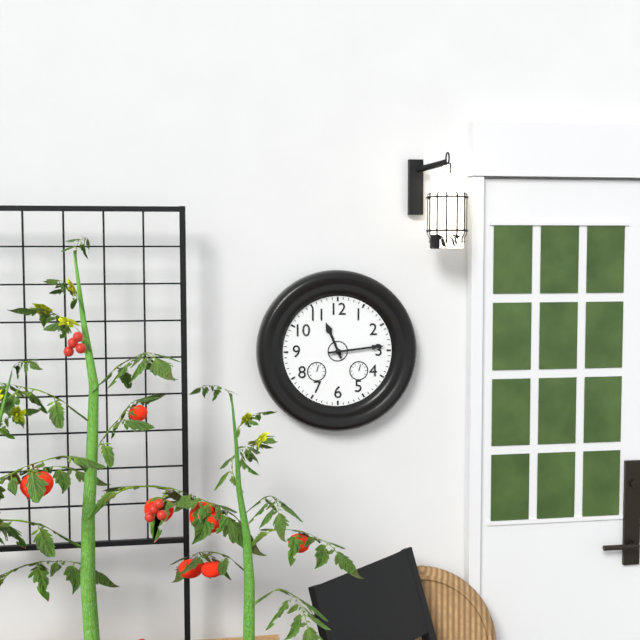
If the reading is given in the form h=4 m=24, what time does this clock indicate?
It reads h=11 m=14
